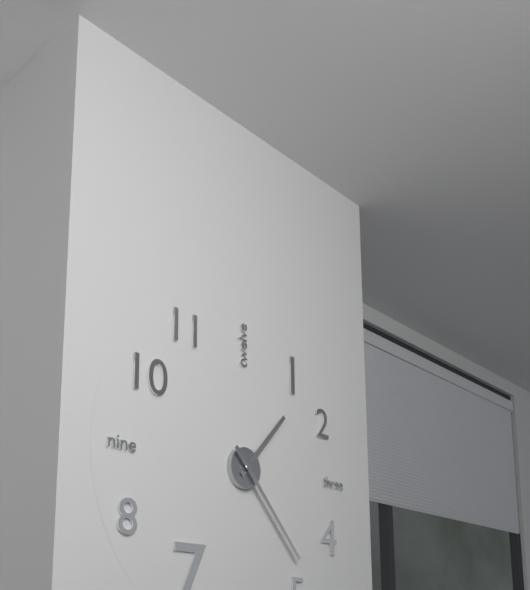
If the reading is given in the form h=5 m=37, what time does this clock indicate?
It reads h=1 m=23
